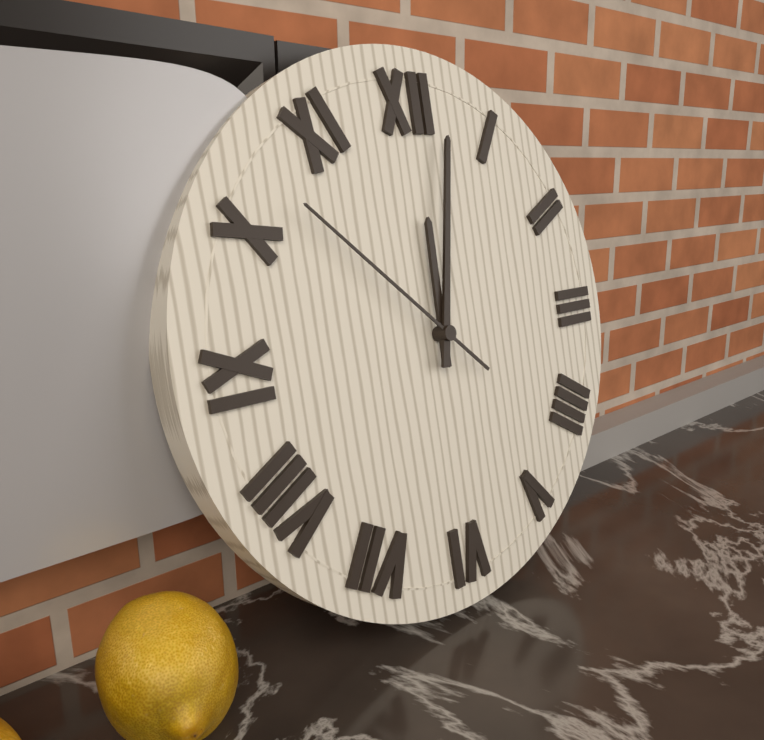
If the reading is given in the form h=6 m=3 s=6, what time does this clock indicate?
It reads h=12 m=2 s=52
